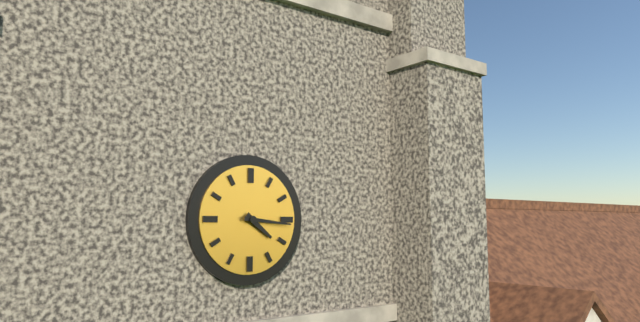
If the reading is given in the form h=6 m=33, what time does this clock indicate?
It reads h=4 m=16
